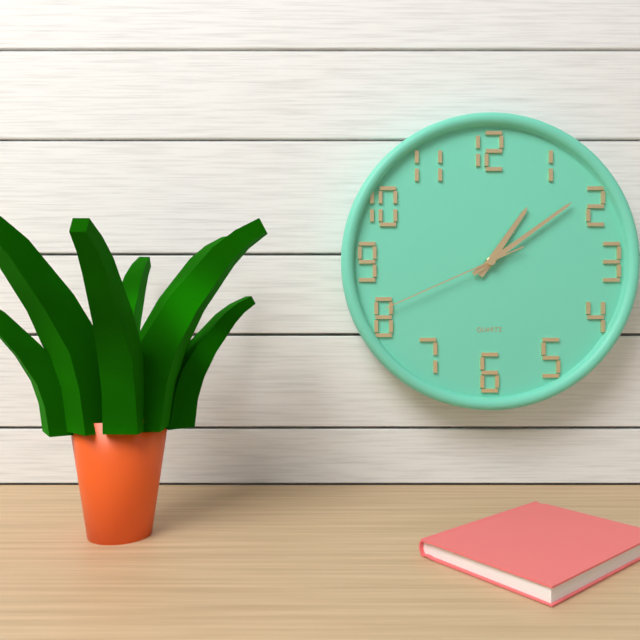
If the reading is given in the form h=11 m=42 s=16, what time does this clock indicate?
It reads h=1 m=9 s=41
